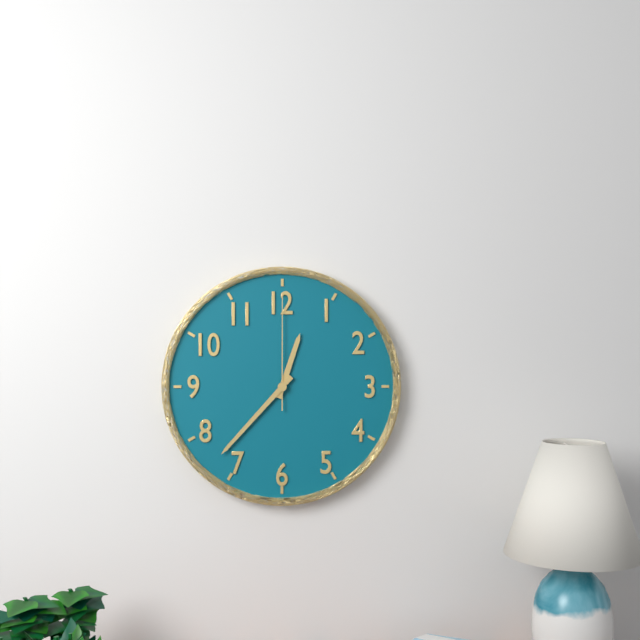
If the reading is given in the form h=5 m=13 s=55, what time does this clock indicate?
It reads h=12 m=37 s=0
